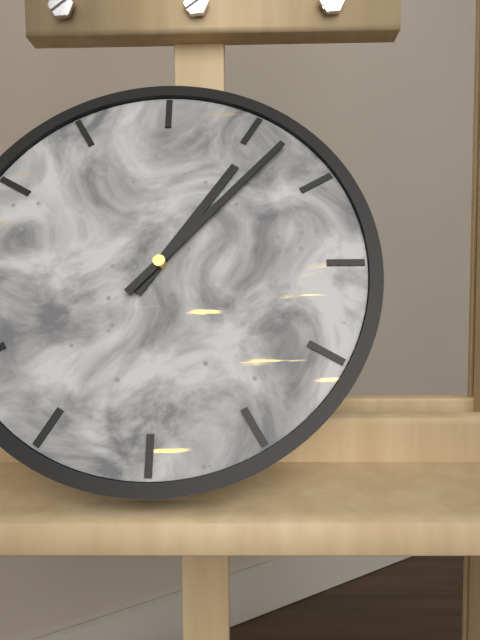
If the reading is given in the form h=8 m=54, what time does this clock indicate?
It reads h=1 m=7
